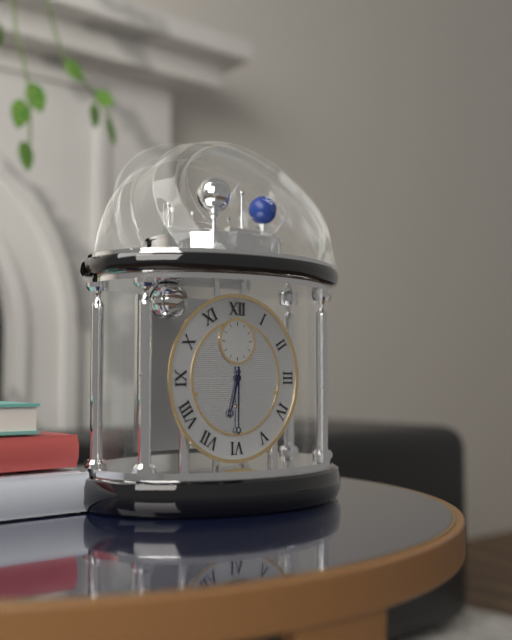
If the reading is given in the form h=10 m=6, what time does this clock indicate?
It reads h=6 m=30
